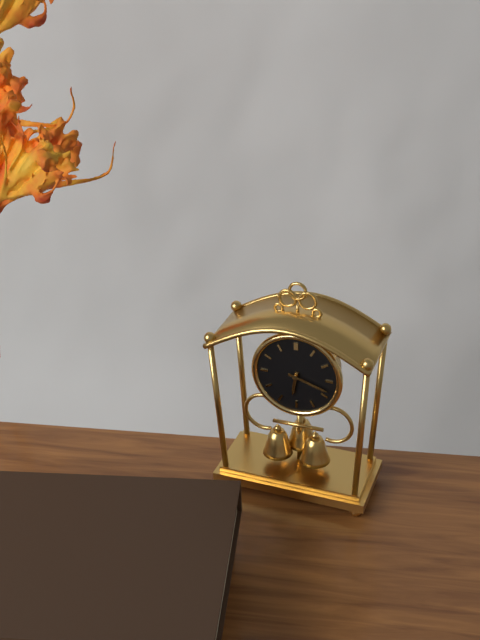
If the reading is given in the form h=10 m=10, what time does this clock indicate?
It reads h=6 m=18
